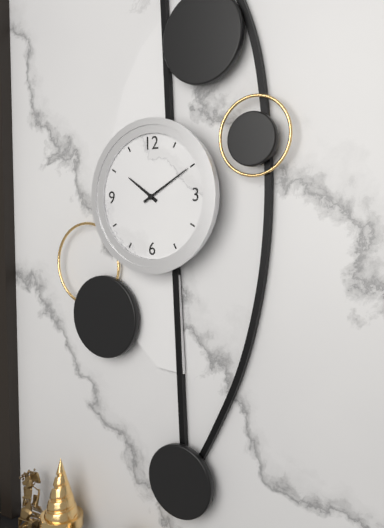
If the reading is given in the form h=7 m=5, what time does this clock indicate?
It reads h=10 m=10
